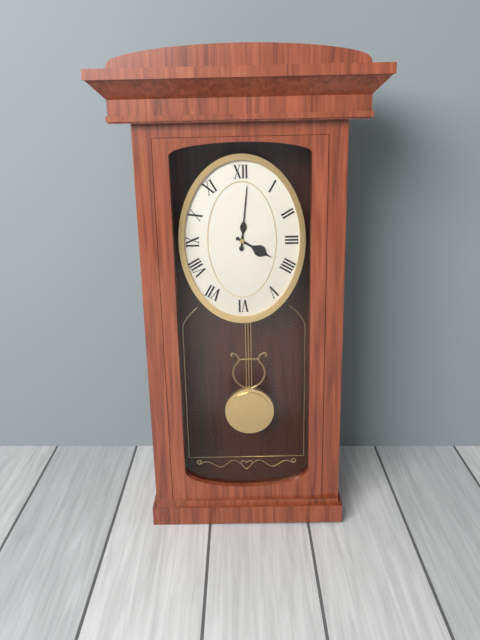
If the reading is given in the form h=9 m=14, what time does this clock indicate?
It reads h=4 m=1
